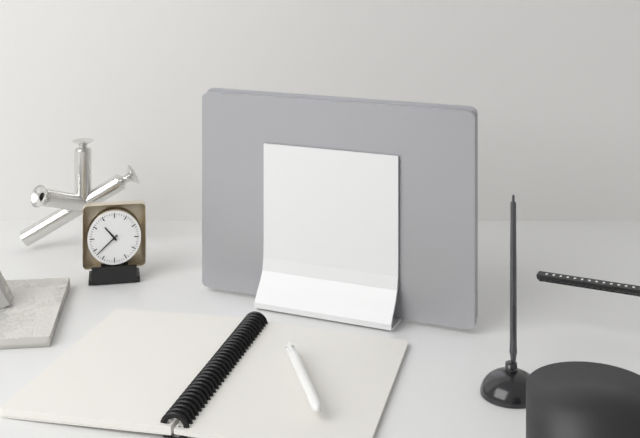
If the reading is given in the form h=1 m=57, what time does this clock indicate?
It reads h=10 m=38
